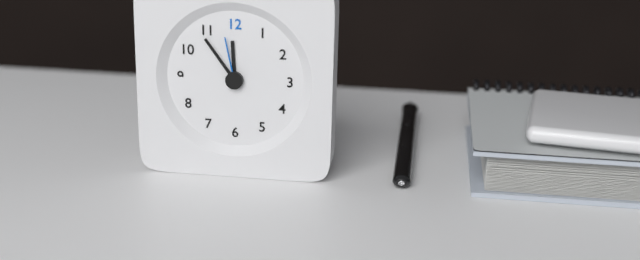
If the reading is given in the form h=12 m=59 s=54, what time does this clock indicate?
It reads h=11 m=54 s=58
